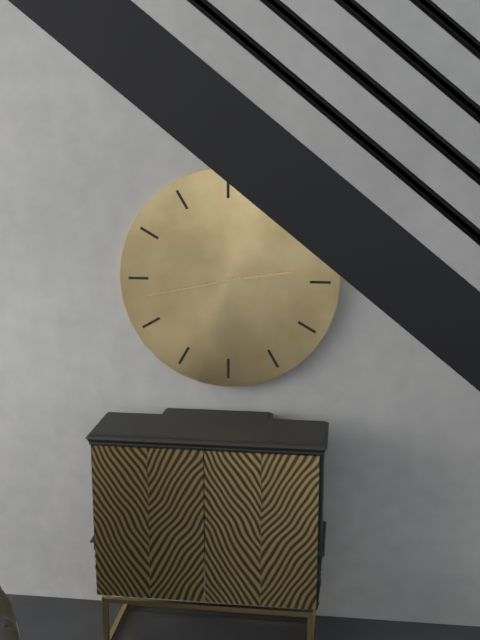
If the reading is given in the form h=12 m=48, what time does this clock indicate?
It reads h=2 m=43
